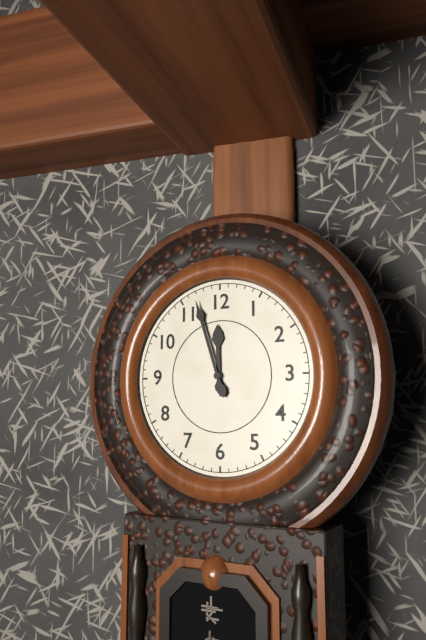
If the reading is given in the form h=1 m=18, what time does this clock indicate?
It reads h=11 m=57
